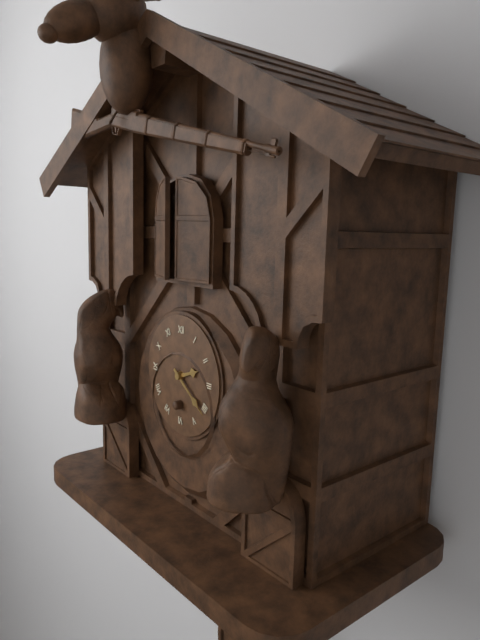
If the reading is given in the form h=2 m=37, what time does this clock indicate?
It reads h=2 m=21
